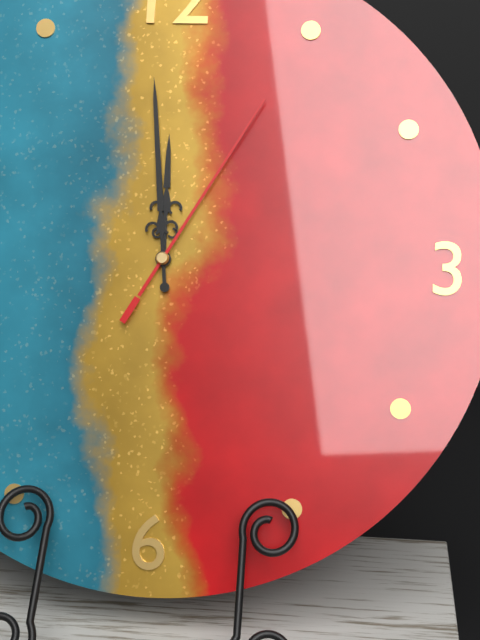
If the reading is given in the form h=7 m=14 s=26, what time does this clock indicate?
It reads h=11 m=59 s=5
